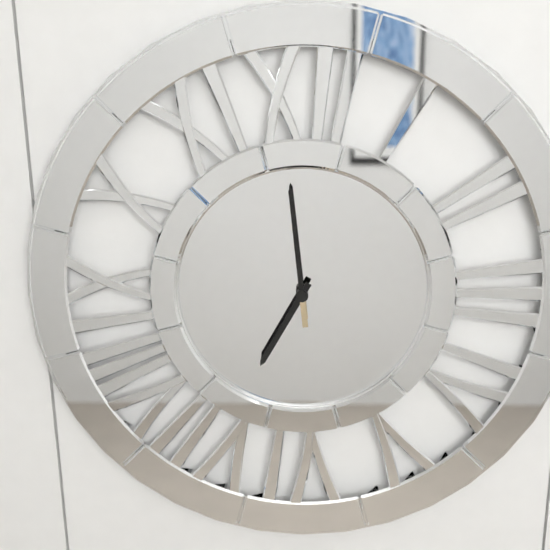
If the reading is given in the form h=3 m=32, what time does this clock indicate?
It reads h=6 m=59
